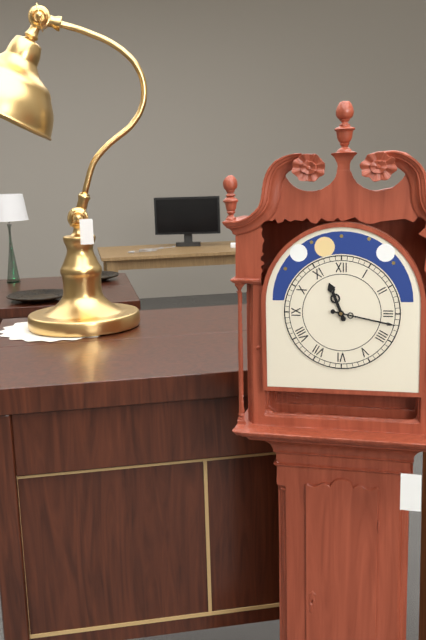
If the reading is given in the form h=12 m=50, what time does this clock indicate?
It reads h=11 m=17
